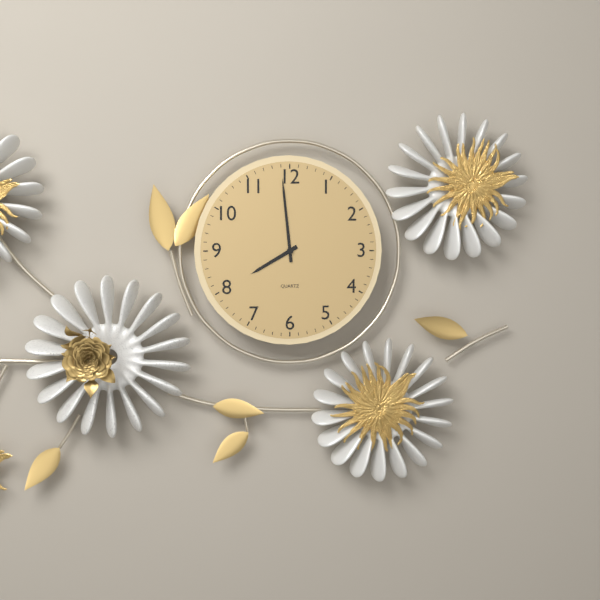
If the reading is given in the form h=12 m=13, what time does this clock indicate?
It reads h=7 m=59
